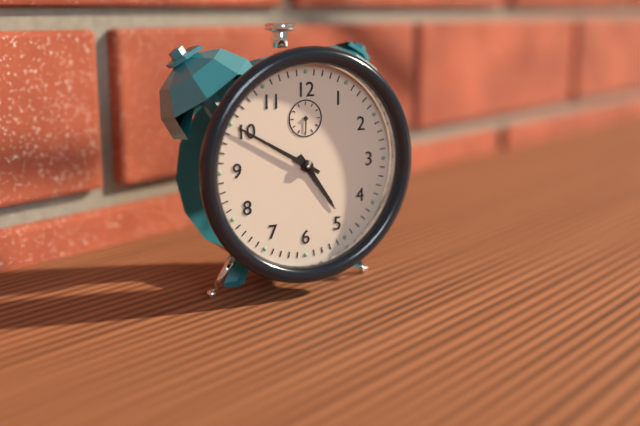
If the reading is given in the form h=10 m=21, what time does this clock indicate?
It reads h=4 m=50
